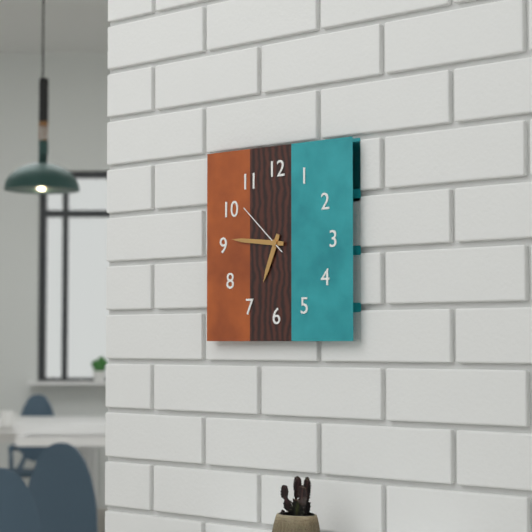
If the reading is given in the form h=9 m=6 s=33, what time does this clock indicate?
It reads h=6 m=46 s=52
